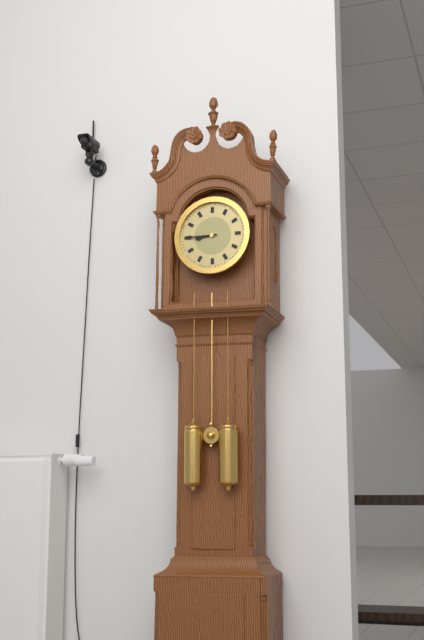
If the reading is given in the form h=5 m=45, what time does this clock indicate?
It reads h=8 m=45
